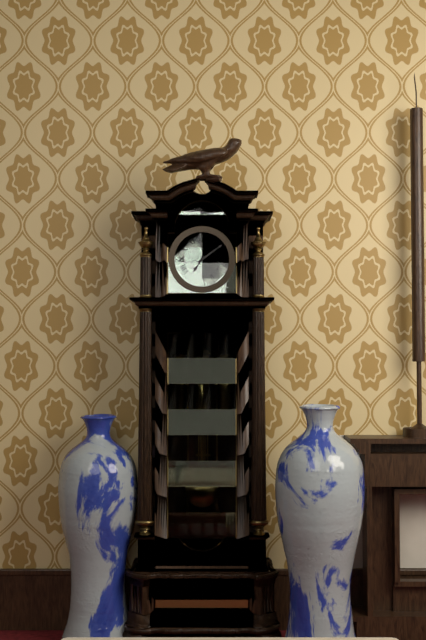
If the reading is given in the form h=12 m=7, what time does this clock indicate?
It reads h=7 m=9
